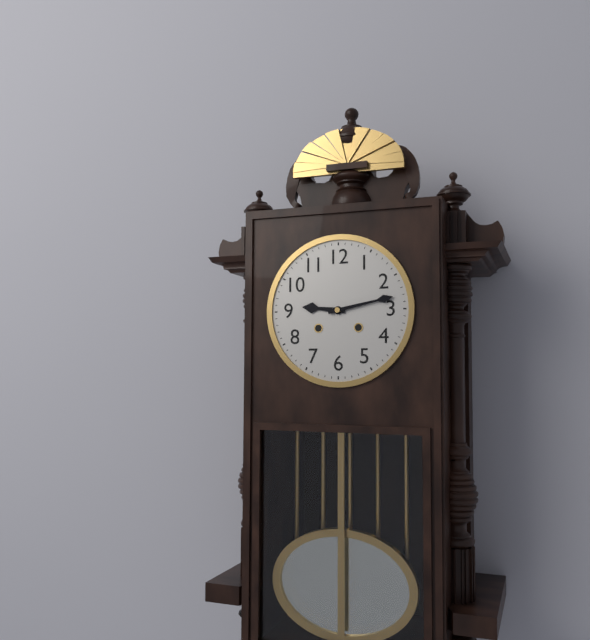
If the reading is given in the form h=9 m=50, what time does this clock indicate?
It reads h=9 m=13
